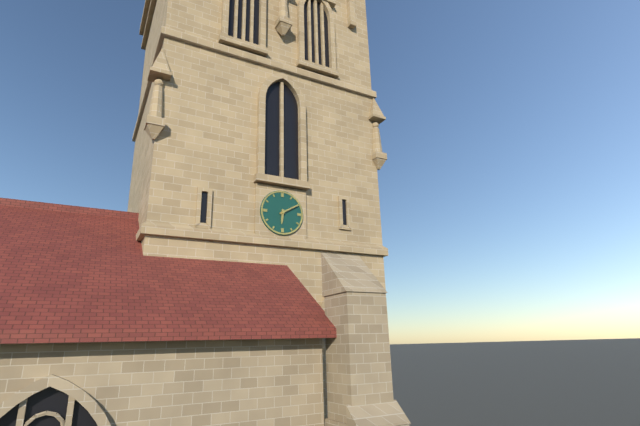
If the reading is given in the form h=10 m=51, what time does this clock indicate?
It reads h=6 m=10
